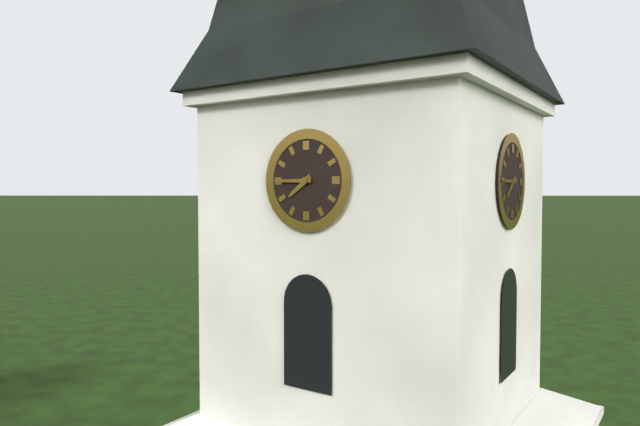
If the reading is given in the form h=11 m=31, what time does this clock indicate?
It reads h=7 m=45
